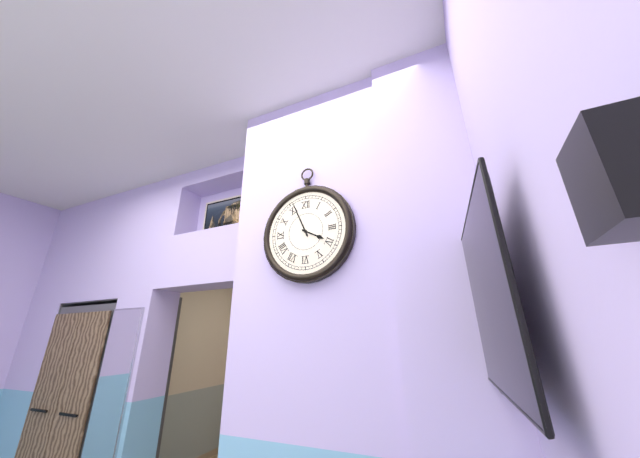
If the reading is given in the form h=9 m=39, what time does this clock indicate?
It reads h=3 m=56
